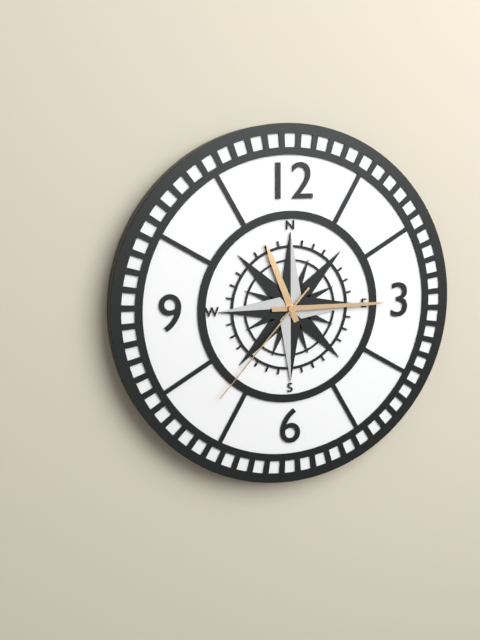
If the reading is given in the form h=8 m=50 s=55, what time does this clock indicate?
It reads h=11 m=15 s=37
